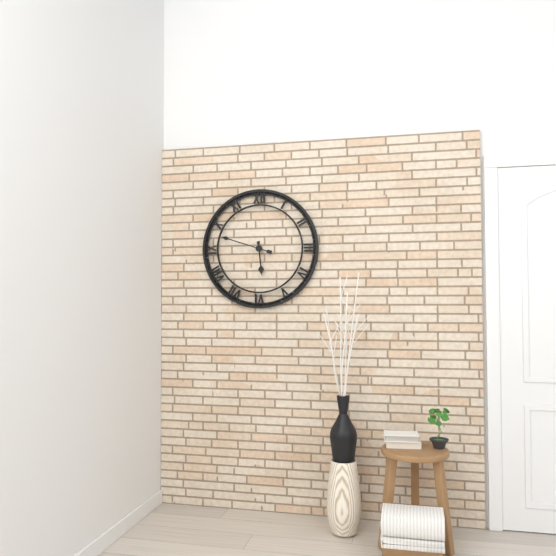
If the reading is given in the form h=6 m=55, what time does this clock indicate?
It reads h=5 m=48
